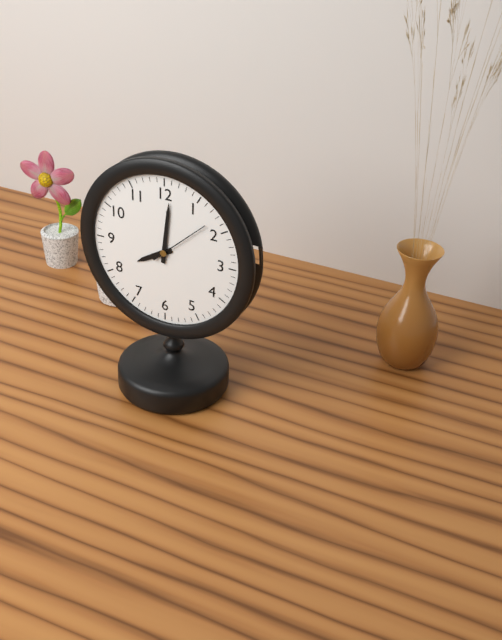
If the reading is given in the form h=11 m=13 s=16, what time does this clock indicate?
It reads h=8 m=1 s=8
